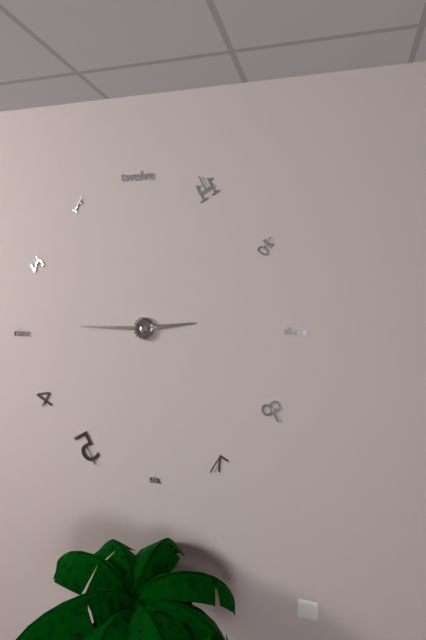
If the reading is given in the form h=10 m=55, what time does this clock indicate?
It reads h=2 m=45
